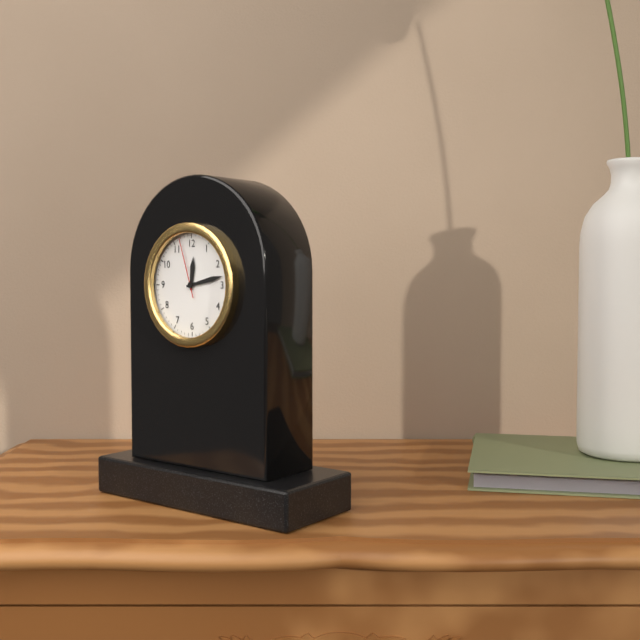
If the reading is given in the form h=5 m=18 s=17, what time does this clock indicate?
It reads h=12 m=13 s=57
